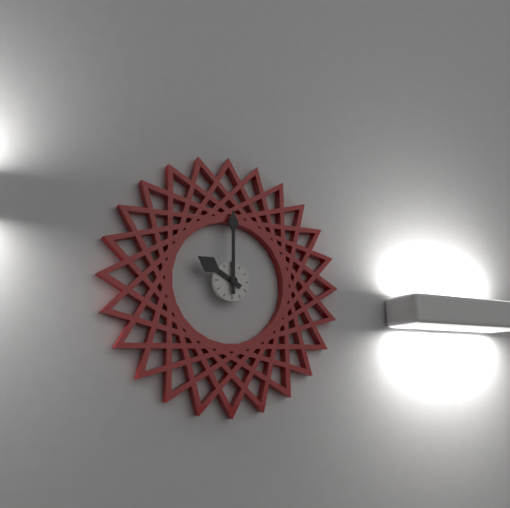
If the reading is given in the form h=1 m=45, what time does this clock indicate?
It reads h=10 m=0
